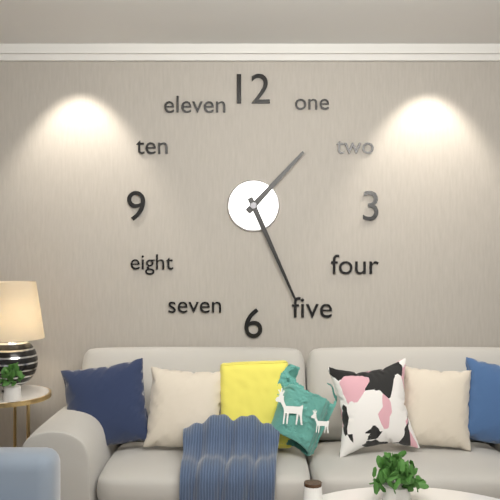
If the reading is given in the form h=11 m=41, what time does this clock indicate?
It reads h=1 m=26
